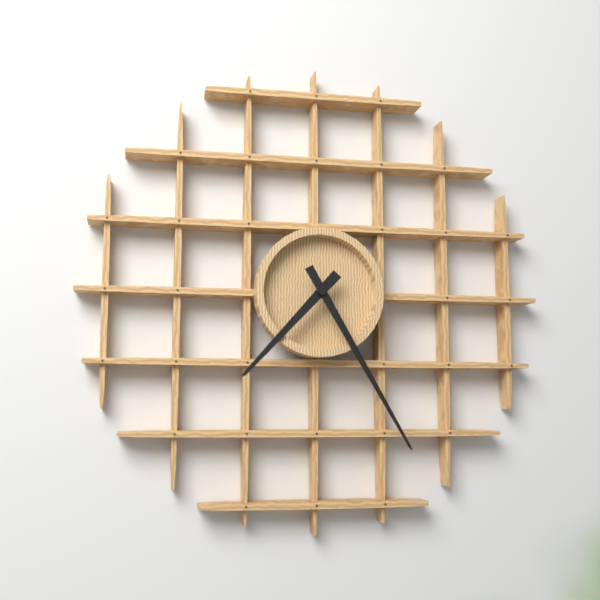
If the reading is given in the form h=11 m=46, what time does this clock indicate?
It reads h=7 m=25
